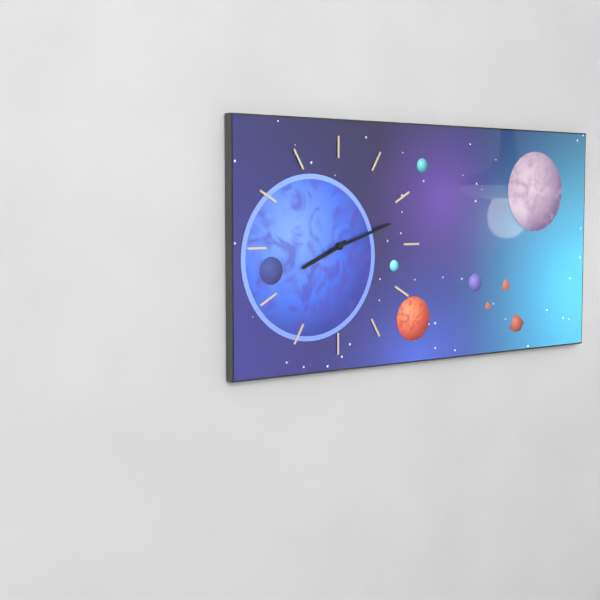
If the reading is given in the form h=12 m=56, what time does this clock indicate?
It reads h=8 m=12
